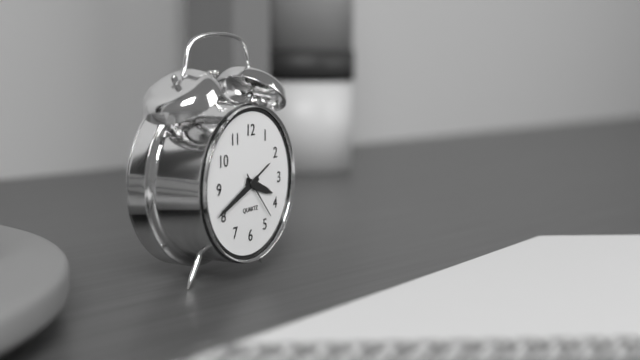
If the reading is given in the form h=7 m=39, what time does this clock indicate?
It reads h=3 m=41
